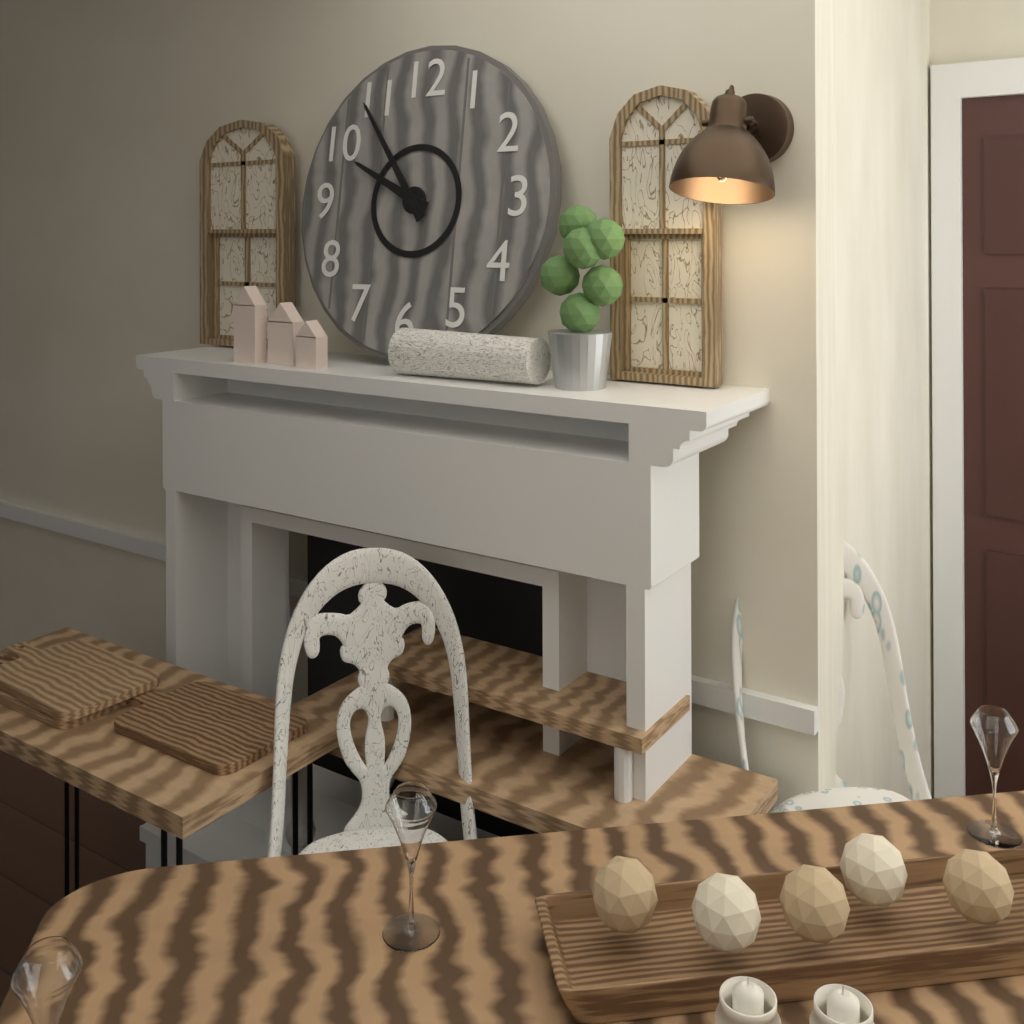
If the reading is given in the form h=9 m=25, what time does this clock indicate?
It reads h=9 m=54
